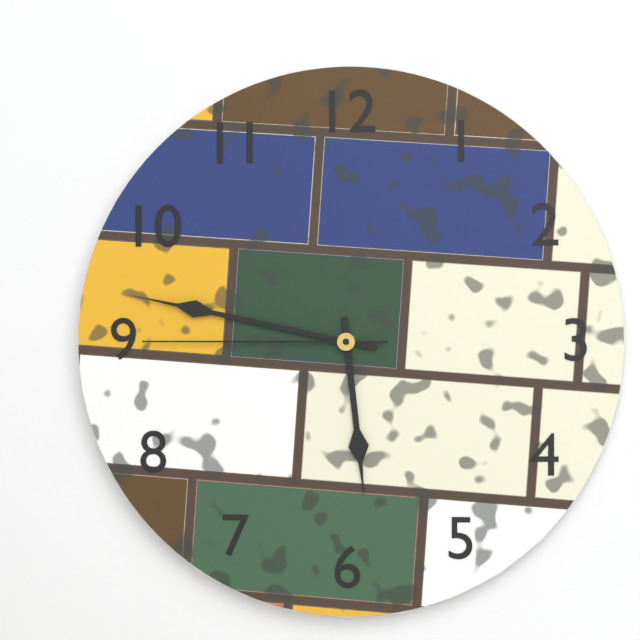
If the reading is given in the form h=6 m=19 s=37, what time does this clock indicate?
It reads h=5 m=47 s=45
